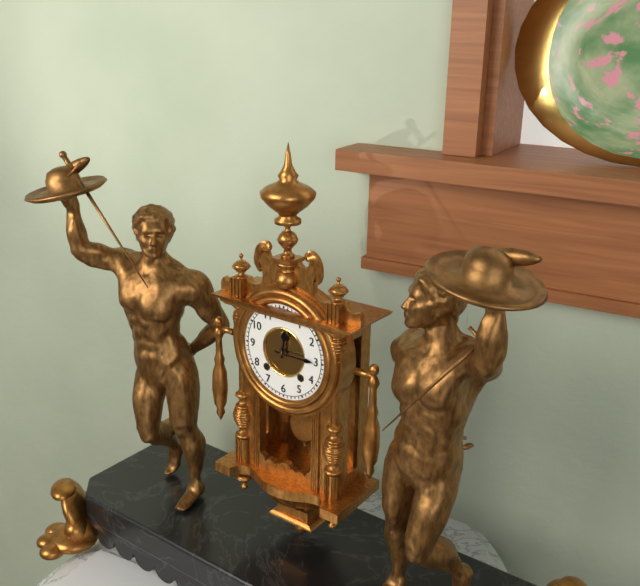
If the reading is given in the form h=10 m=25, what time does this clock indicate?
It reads h=12 m=15
